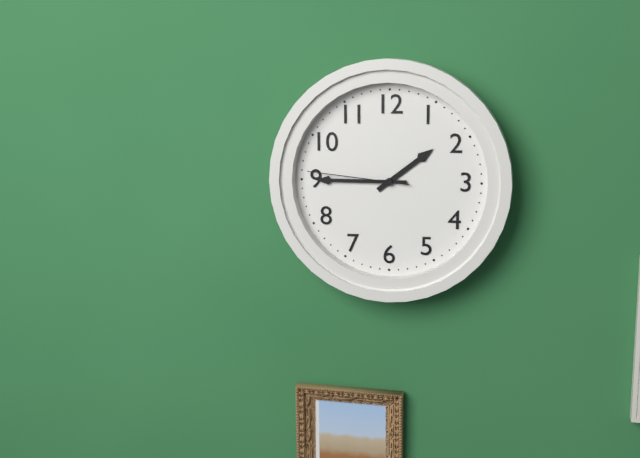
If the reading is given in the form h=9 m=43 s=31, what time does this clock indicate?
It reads h=1 m=45 s=46
